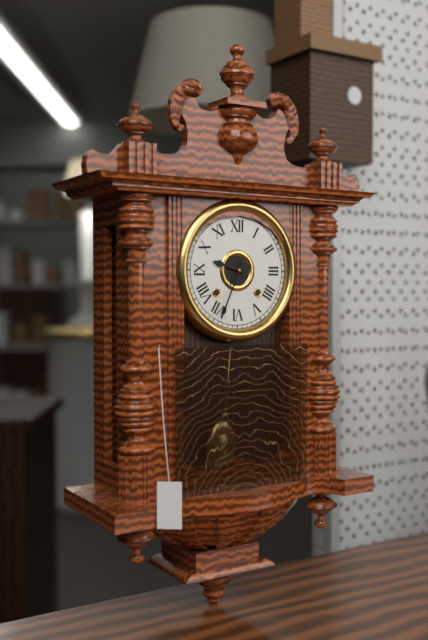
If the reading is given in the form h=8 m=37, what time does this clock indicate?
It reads h=9 m=34
